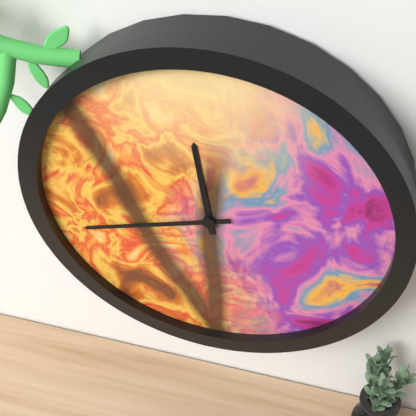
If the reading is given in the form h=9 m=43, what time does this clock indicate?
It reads h=11 m=42
